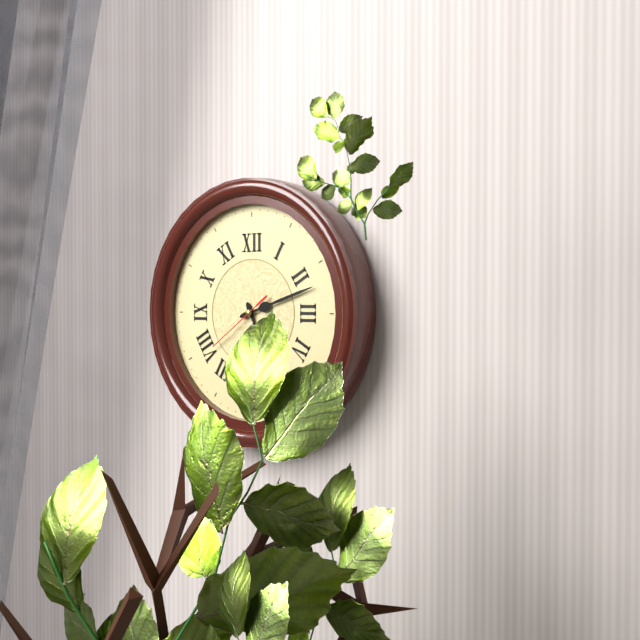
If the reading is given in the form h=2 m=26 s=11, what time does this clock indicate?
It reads h=5 m=12 s=39
